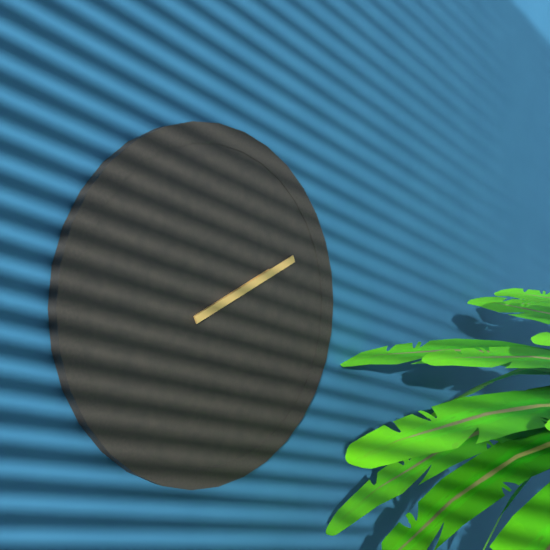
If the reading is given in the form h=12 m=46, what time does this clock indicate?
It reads h=2 m=11
